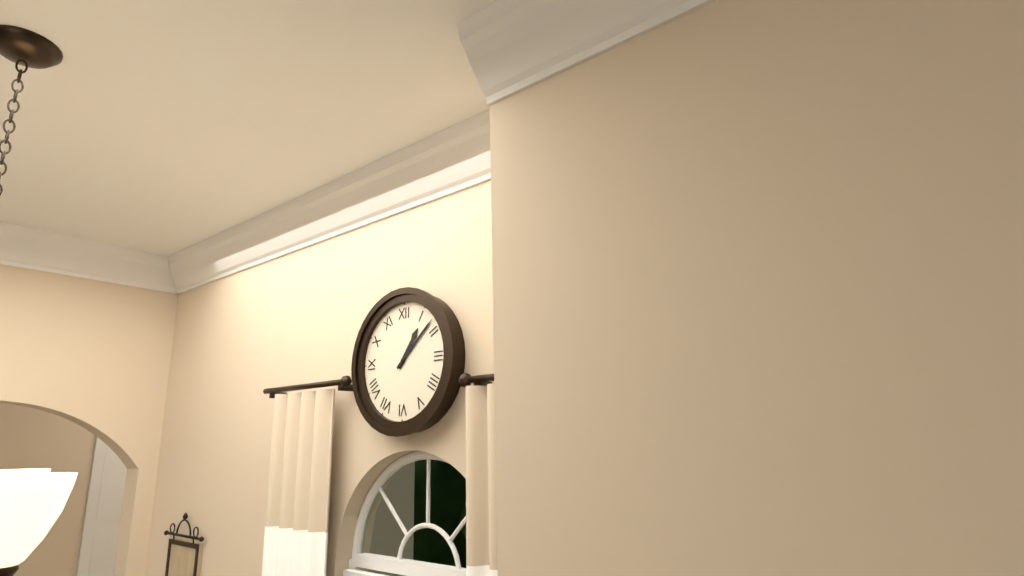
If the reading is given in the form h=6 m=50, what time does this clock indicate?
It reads h=1 m=8
